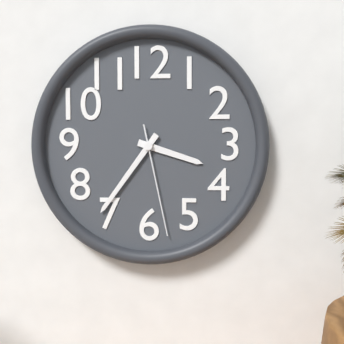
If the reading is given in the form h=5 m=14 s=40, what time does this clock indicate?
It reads h=3 m=36 s=28
